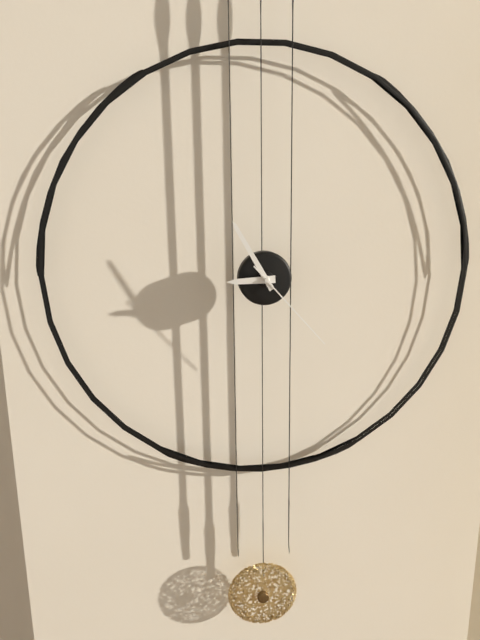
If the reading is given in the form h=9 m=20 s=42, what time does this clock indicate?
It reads h=8 m=55 s=23
